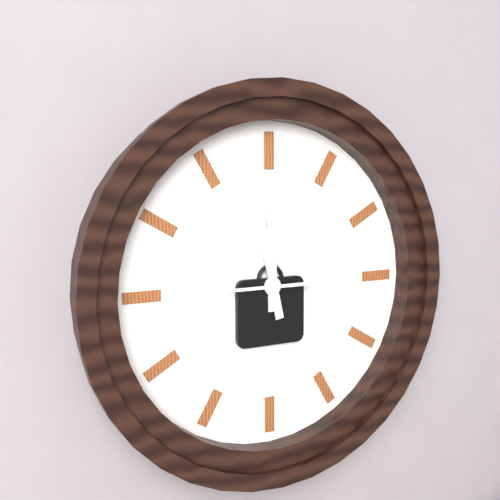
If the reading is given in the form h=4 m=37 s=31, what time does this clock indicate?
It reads h=11 m=58 s=45
